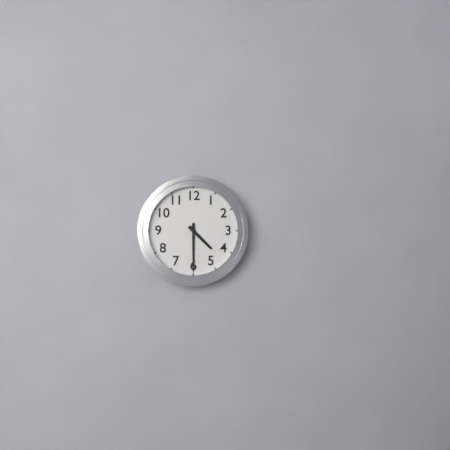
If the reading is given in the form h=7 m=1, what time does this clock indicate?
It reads h=4 m=30
